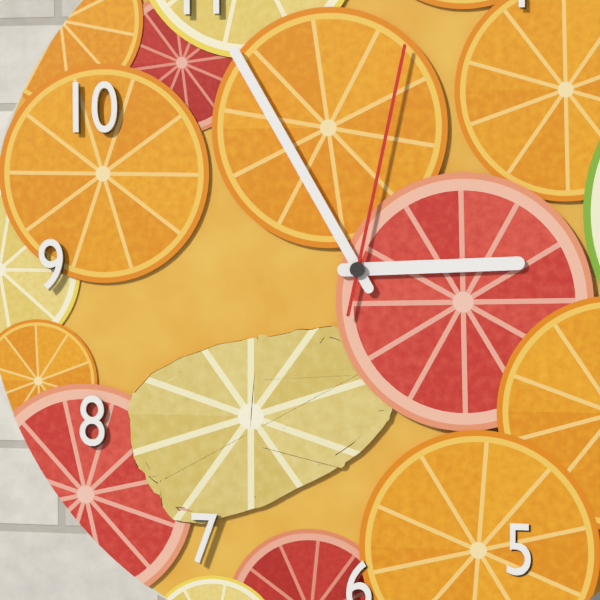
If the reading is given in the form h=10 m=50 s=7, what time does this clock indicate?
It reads h=2 m=55 s=2
